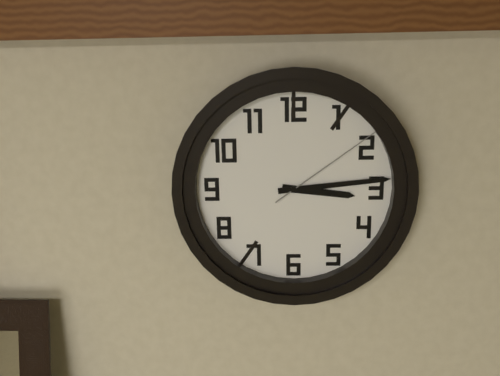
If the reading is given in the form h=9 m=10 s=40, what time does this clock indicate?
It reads h=3 m=14 s=9
